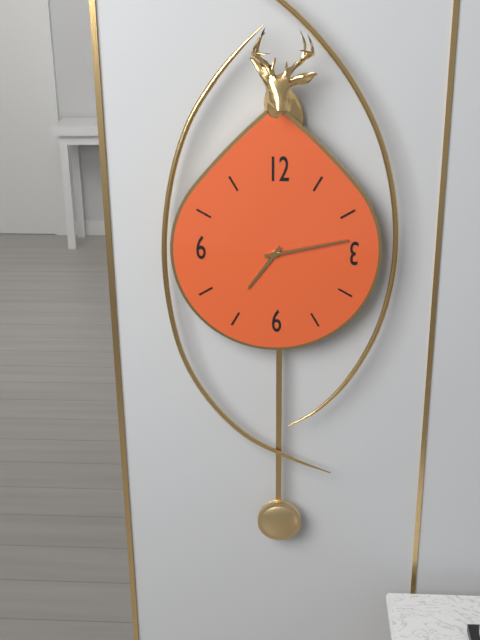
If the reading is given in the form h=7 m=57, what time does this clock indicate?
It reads h=7 m=13
